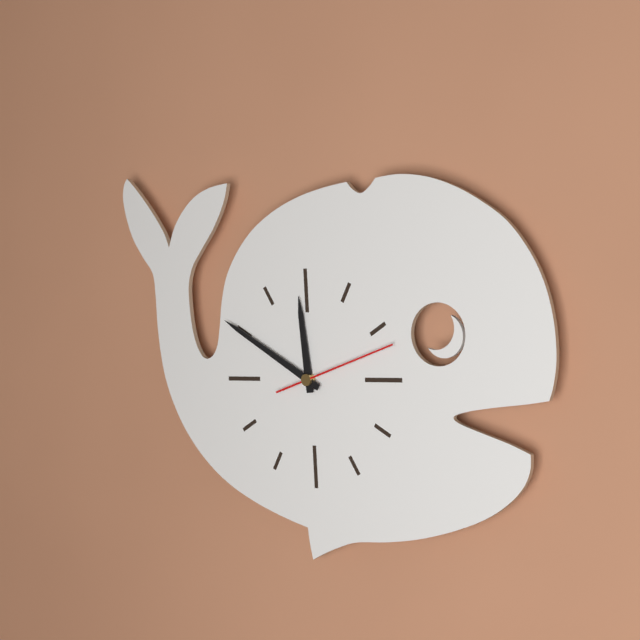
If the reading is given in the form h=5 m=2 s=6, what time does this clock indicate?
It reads h=11 m=50 s=12
